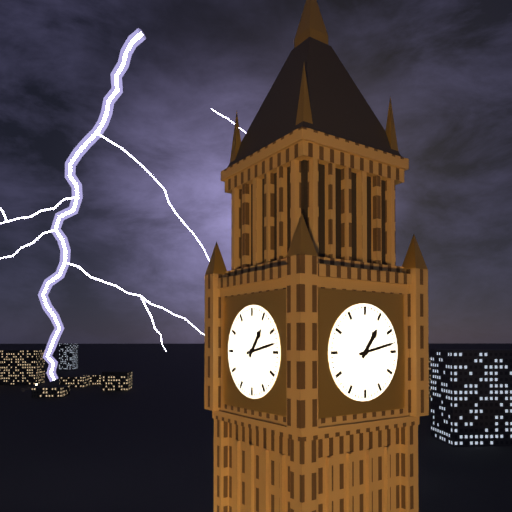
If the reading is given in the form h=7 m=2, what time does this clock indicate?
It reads h=1 m=13
